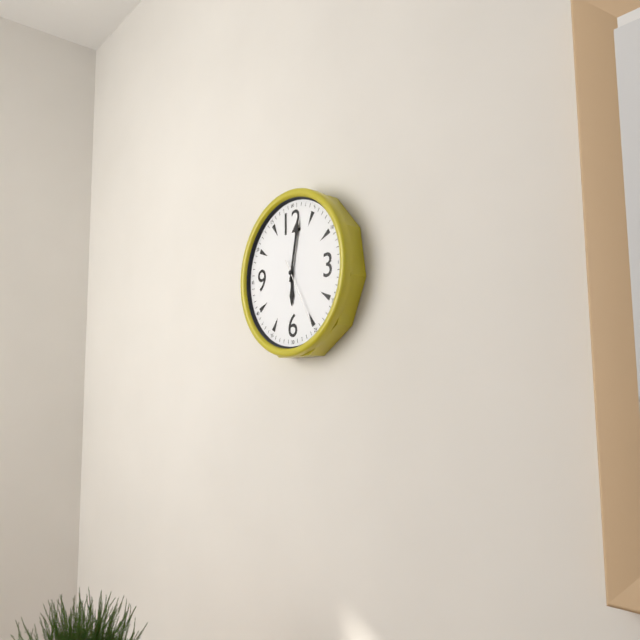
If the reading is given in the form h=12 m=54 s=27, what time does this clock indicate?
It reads h=6 m=2 s=25
